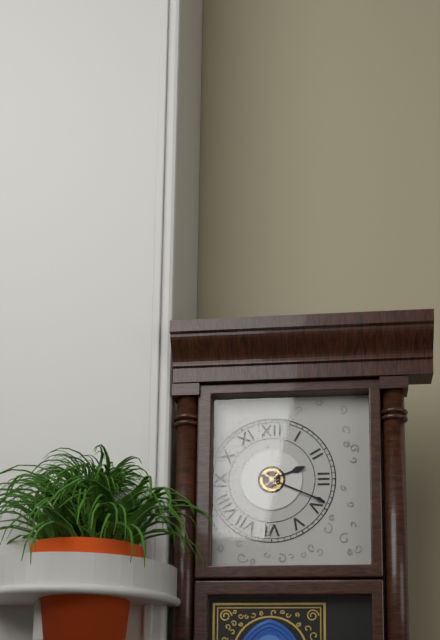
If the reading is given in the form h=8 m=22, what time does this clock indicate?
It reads h=2 m=19
